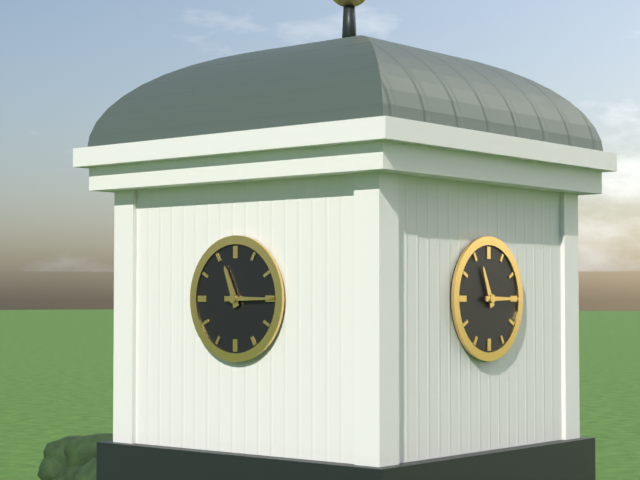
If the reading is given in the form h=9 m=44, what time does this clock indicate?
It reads h=11 m=15
